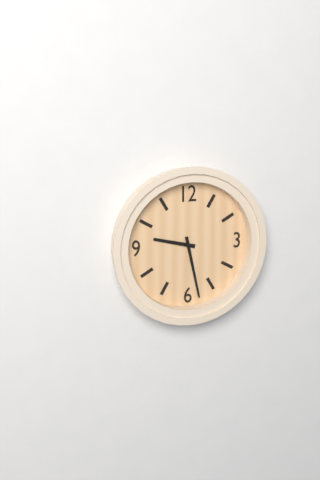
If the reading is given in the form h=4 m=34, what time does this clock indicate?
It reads h=9 m=28
